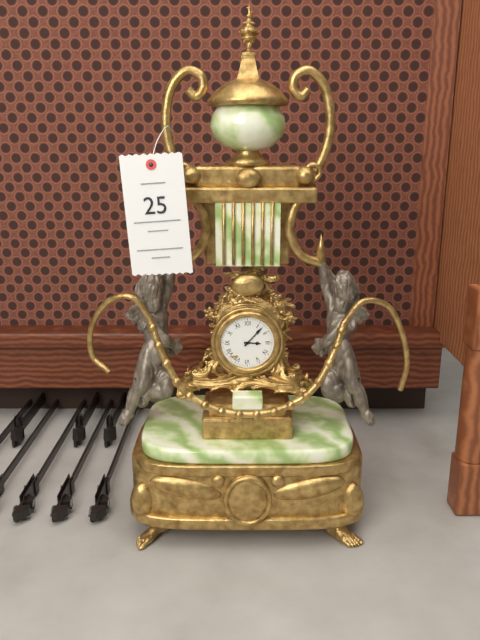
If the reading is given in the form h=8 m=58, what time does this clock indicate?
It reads h=3 m=7
